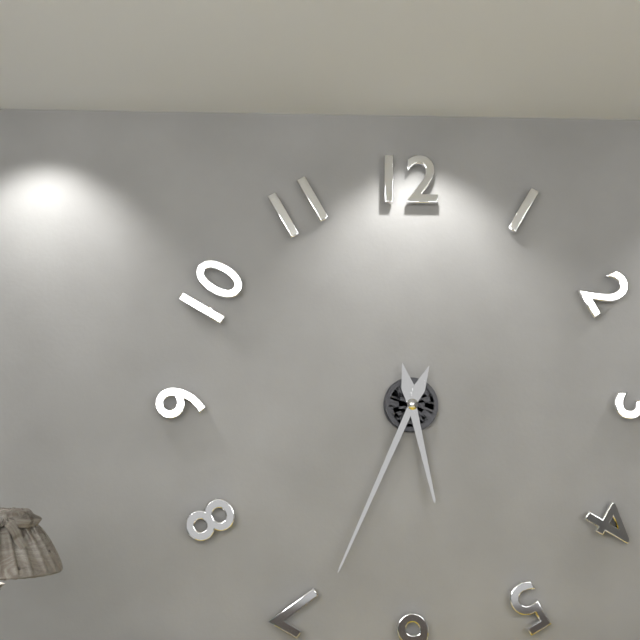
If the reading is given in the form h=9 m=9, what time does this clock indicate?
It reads h=5 m=34
